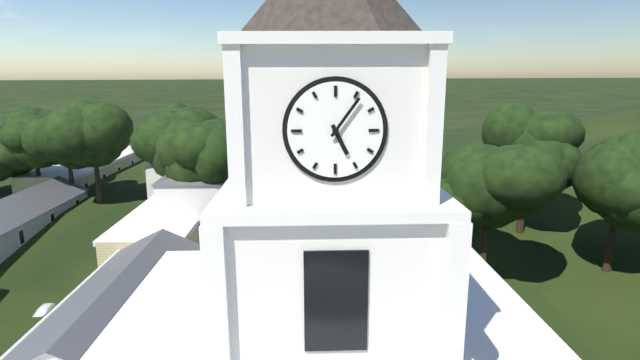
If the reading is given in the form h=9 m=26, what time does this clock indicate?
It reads h=5 m=6
